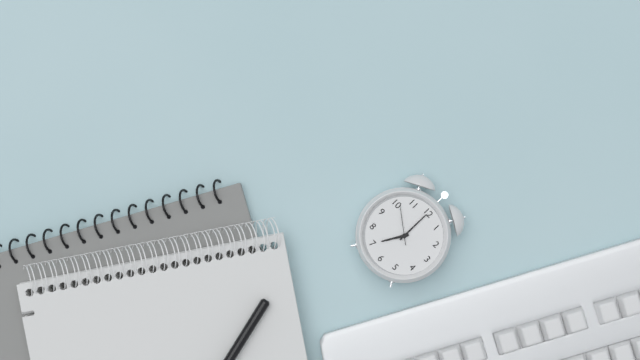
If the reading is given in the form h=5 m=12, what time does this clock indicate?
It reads h=7 m=0
